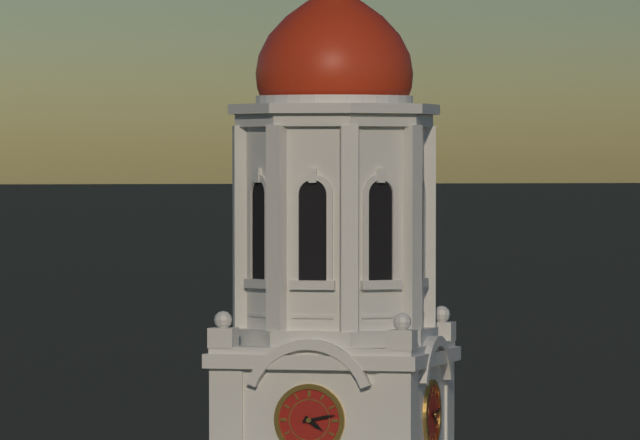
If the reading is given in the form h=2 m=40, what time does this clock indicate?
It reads h=4 m=13
